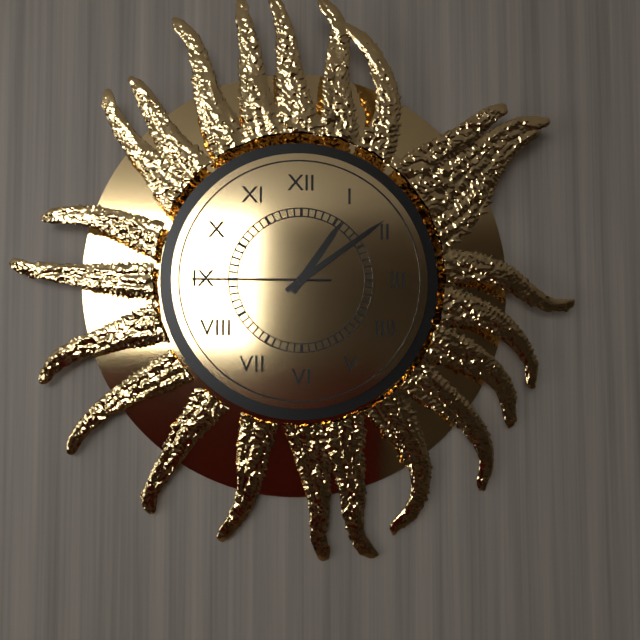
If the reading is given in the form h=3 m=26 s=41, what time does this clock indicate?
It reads h=1 m=9 s=45
